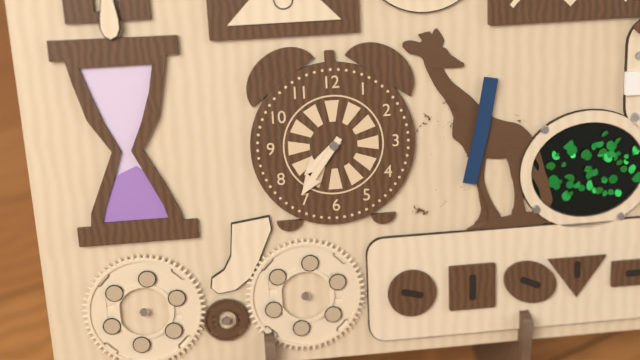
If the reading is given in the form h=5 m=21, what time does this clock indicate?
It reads h=7 m=36
